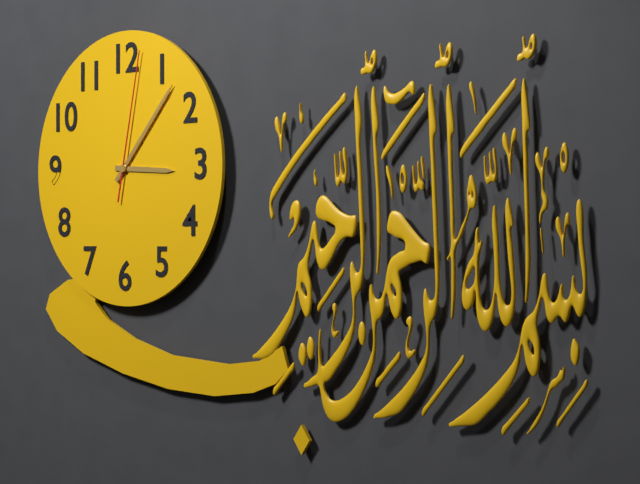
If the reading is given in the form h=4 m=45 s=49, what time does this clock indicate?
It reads h=3 m=7 s=2
